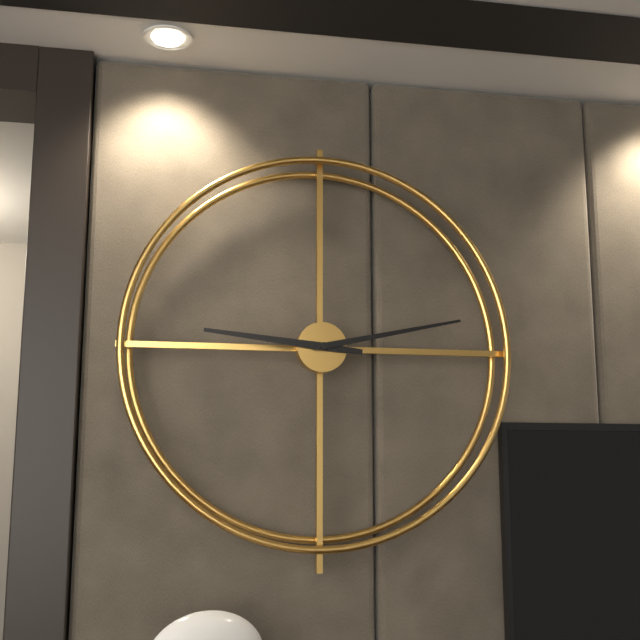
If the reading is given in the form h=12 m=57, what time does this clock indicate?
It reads h=9 m=13
